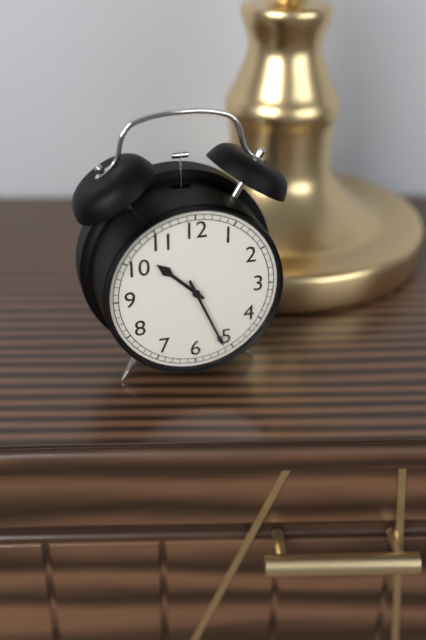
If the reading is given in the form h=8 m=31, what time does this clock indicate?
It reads h=10 m=26
